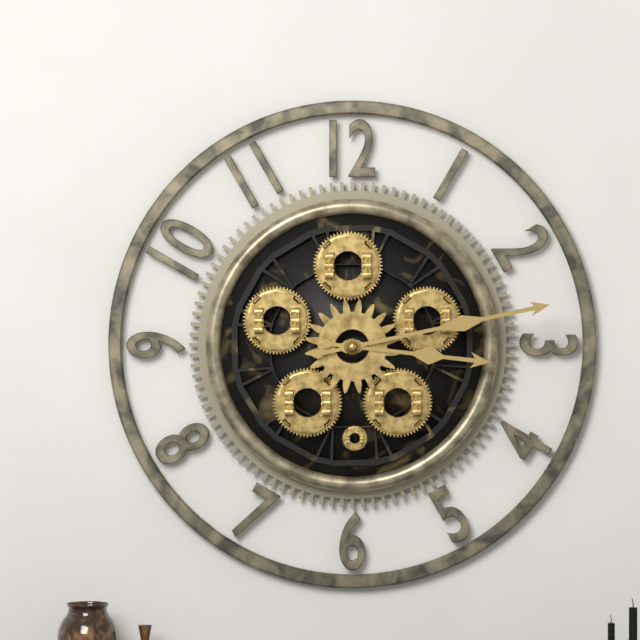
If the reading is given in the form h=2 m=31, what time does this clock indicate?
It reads h=3 m=13
